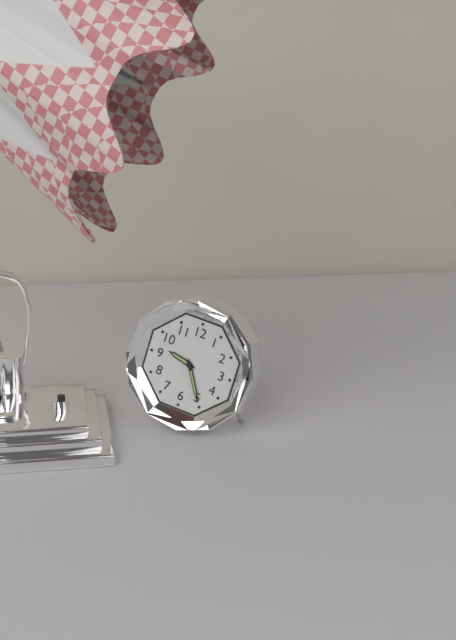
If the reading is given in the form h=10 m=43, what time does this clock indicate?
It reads h=9 m=25
